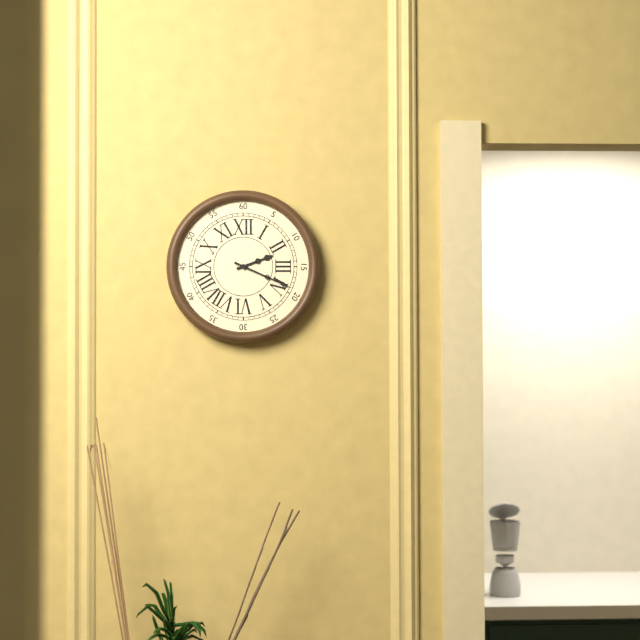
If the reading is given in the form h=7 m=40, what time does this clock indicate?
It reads h=2 m=19
